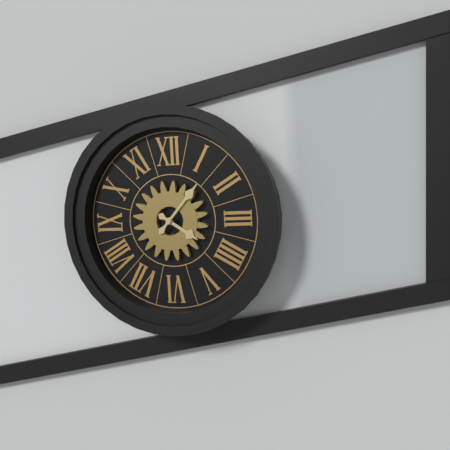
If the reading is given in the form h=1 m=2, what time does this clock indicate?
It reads h=4 m=7
